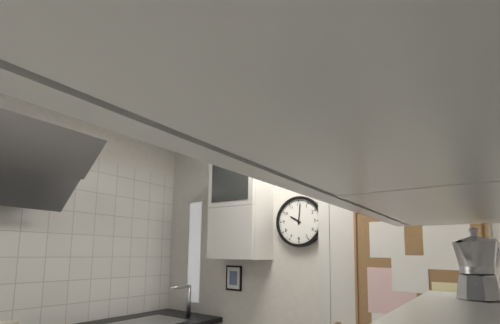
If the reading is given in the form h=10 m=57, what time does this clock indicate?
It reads h=10 m=1
